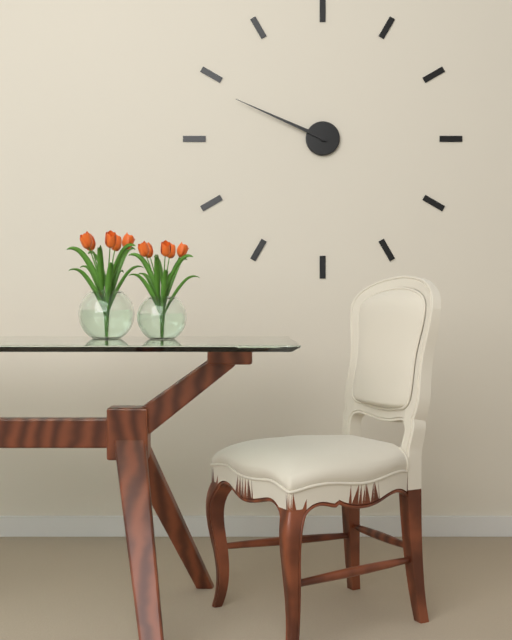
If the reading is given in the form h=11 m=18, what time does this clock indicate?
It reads h=9 m=49
